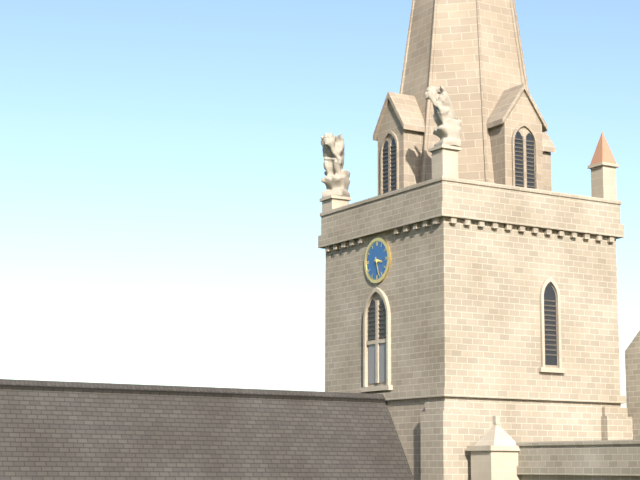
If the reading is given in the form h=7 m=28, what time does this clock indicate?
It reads h=3 m=27
